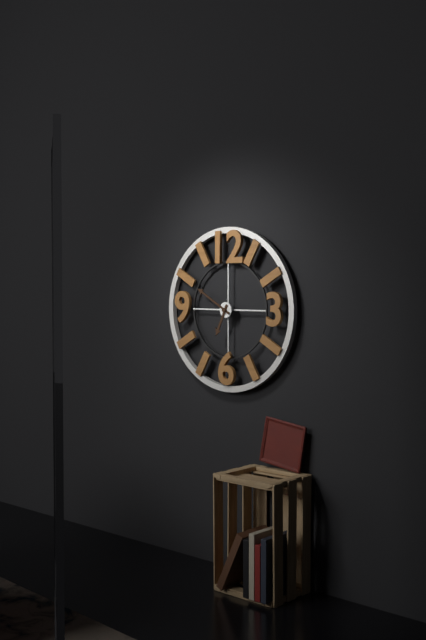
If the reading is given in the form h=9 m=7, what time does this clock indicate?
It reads h=6 m=50
